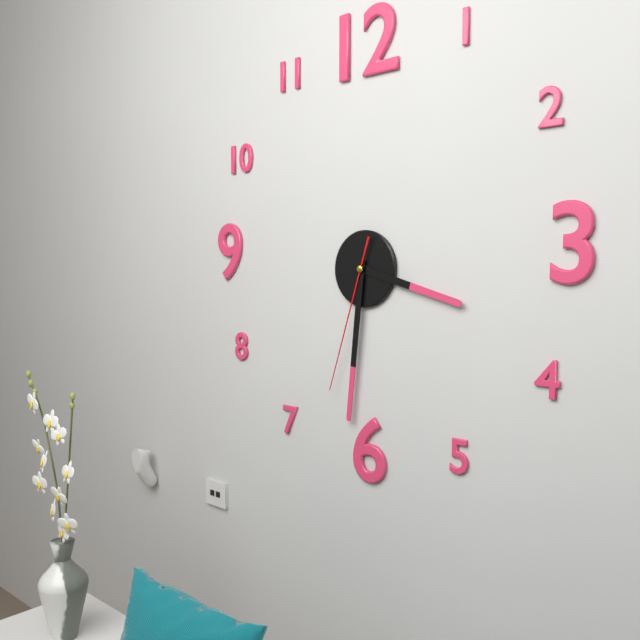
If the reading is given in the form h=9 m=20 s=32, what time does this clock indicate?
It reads h=3 m=31 s=33
